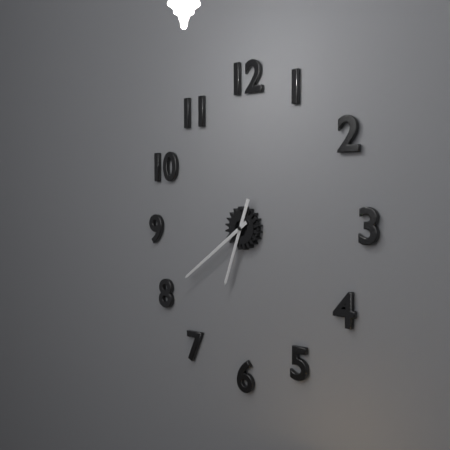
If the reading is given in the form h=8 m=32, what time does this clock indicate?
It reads h=6 m=39
